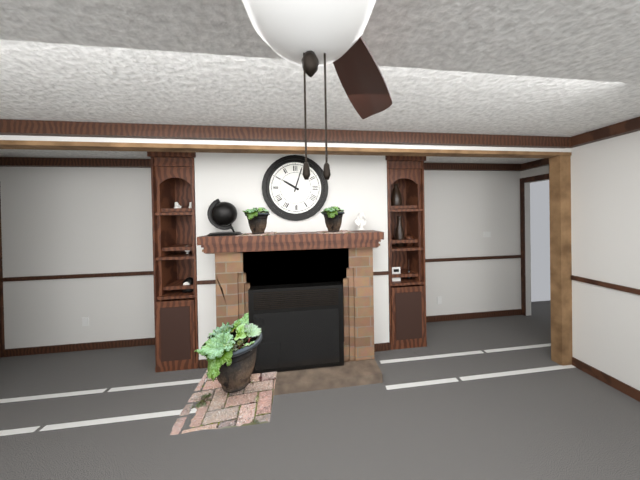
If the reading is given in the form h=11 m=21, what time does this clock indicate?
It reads h=10 m=3
